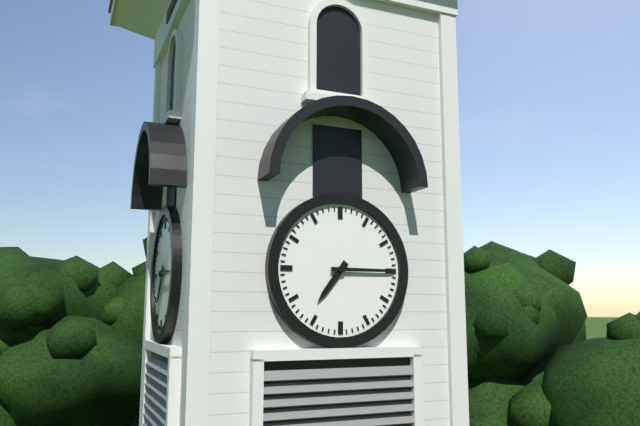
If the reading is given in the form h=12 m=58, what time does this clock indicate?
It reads h=7 m=15
